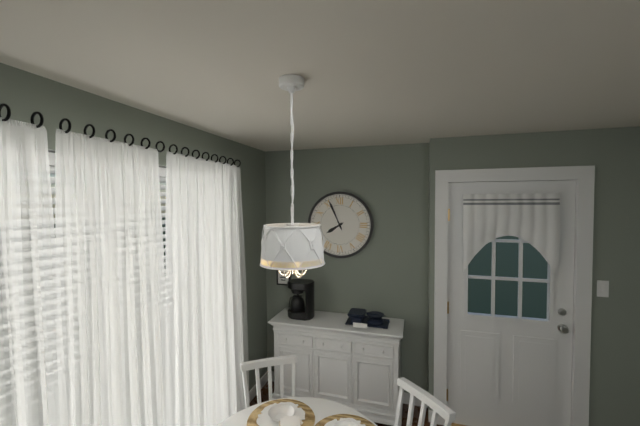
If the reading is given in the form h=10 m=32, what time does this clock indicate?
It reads h=7 m=56
